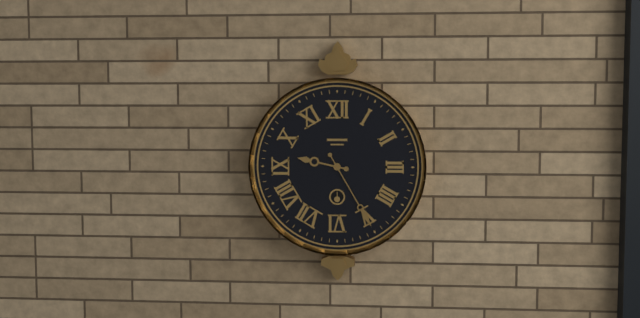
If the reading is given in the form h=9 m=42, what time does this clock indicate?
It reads h=9 m=25
